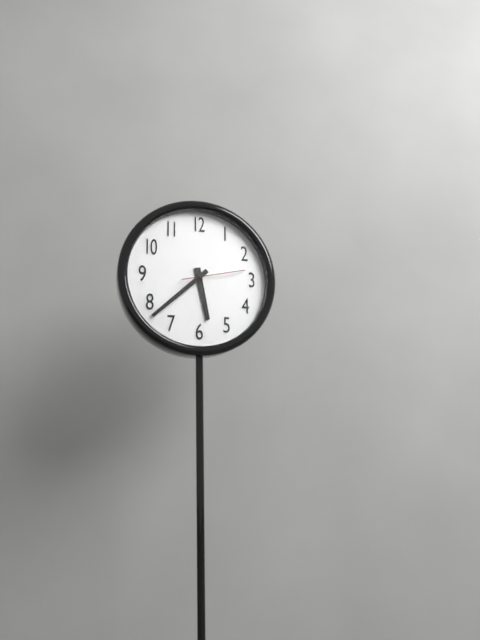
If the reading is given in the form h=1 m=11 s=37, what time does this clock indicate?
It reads h=5 m=38 s=13
